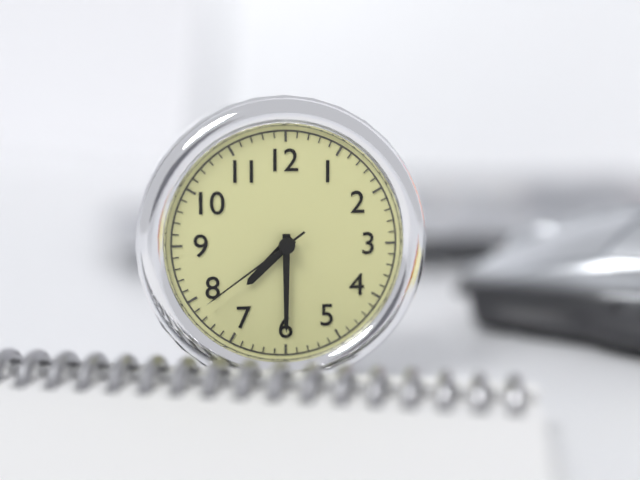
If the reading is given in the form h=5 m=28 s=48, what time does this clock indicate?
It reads h=7 m=30 s=39
